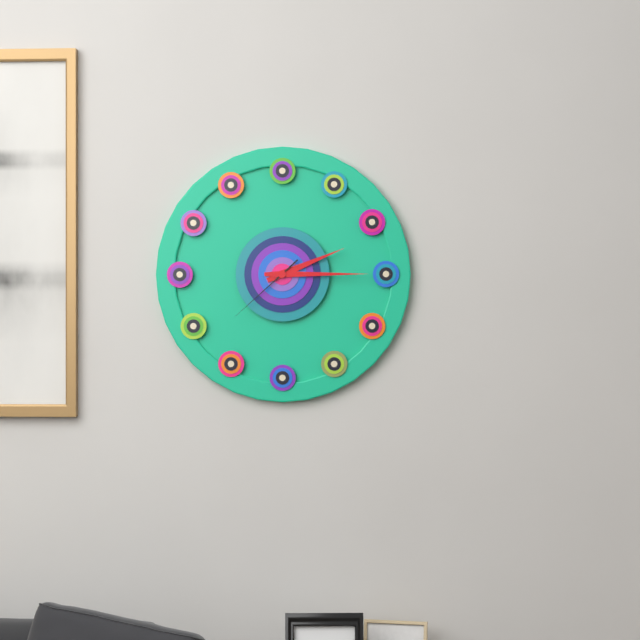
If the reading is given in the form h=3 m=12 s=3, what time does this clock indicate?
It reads h=2 m=15 s=38
